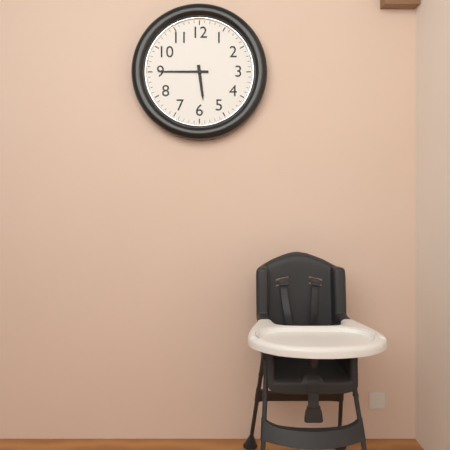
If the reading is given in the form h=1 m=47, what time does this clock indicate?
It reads h=5 m=45
